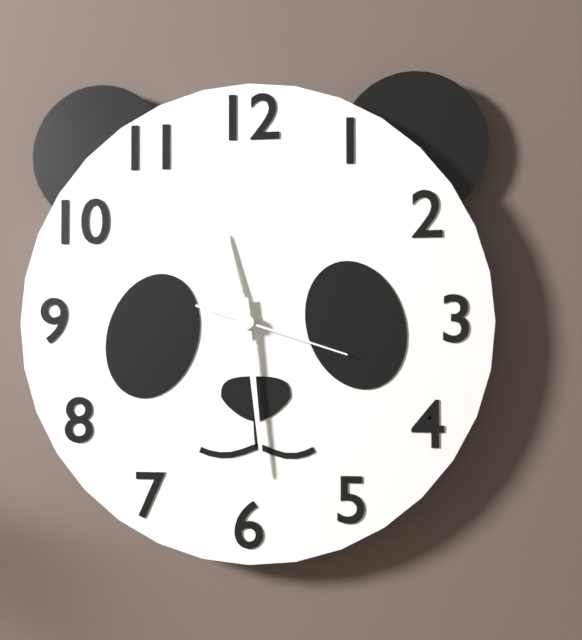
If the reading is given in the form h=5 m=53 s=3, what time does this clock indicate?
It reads h=11 m=29 s=18
